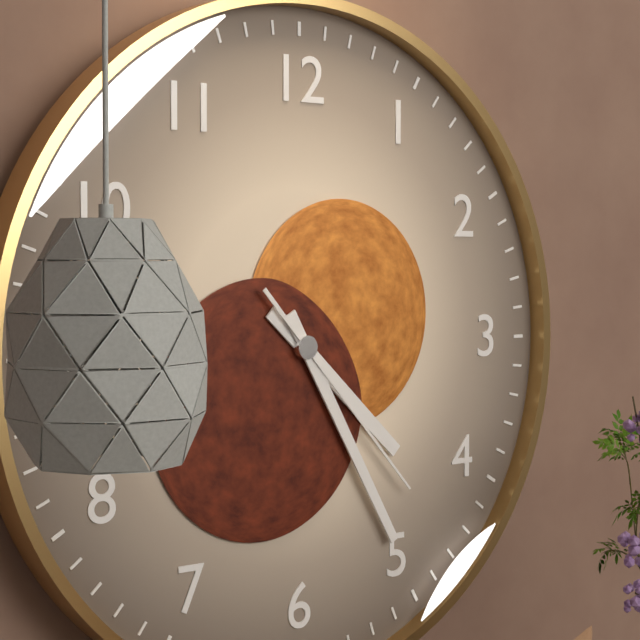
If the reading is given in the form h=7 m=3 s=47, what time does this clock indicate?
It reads h=4 m=25 s=23
